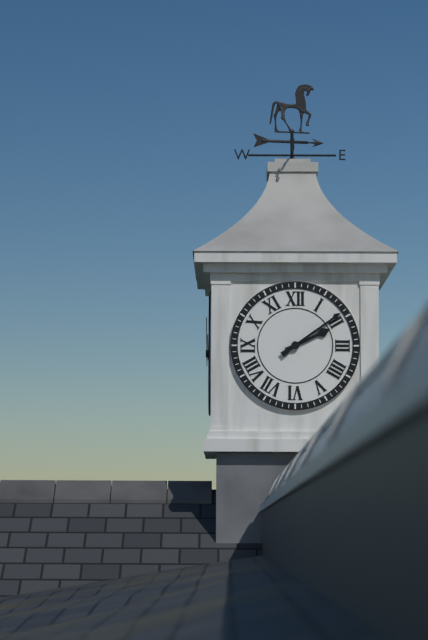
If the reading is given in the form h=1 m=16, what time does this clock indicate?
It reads h=2 m=9
